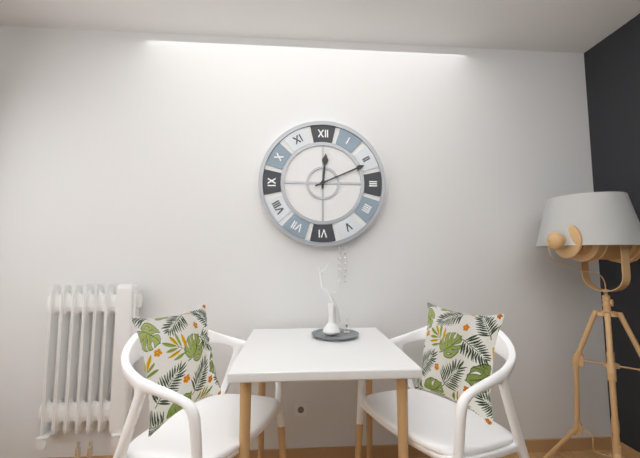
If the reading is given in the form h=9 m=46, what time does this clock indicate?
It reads h=12 m=11
